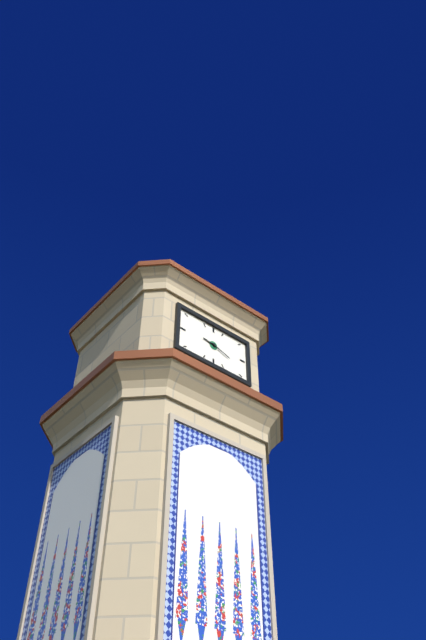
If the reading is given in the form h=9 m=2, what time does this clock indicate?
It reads h=9 m=18
